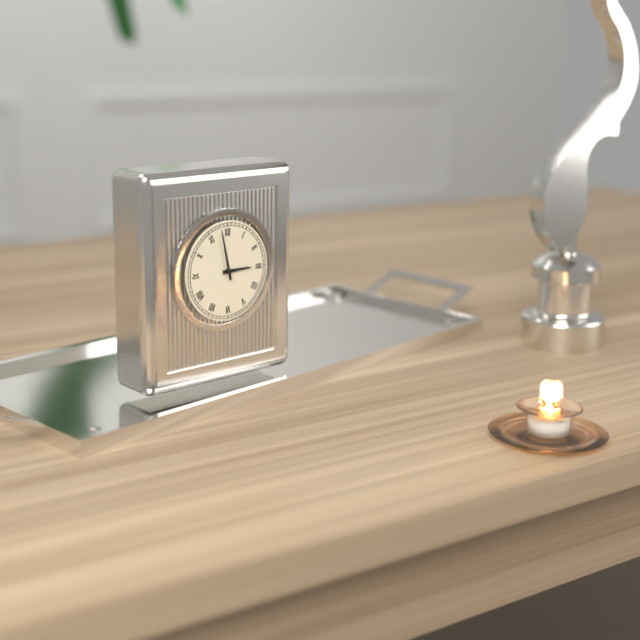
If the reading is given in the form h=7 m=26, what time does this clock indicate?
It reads h=2 m=58
